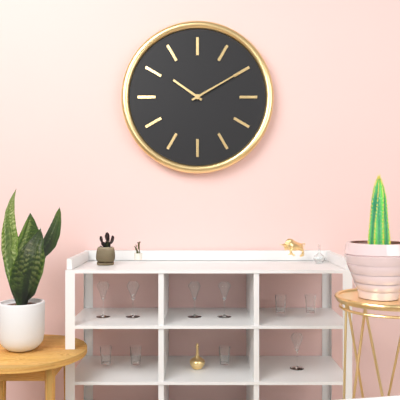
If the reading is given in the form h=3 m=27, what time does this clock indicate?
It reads h=10 m=10
